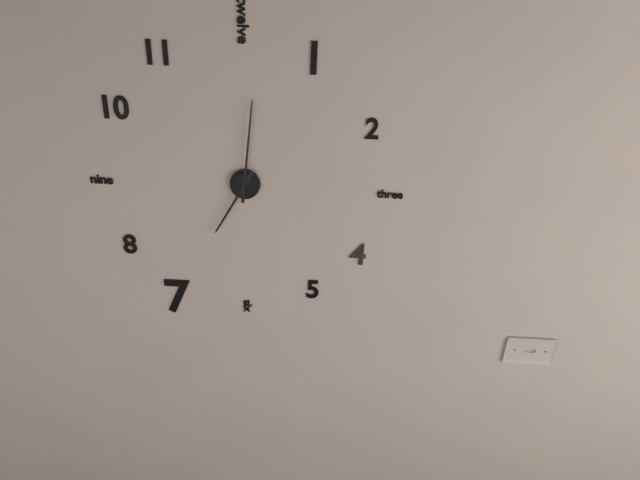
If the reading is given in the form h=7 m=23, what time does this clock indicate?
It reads h=7 m=1
